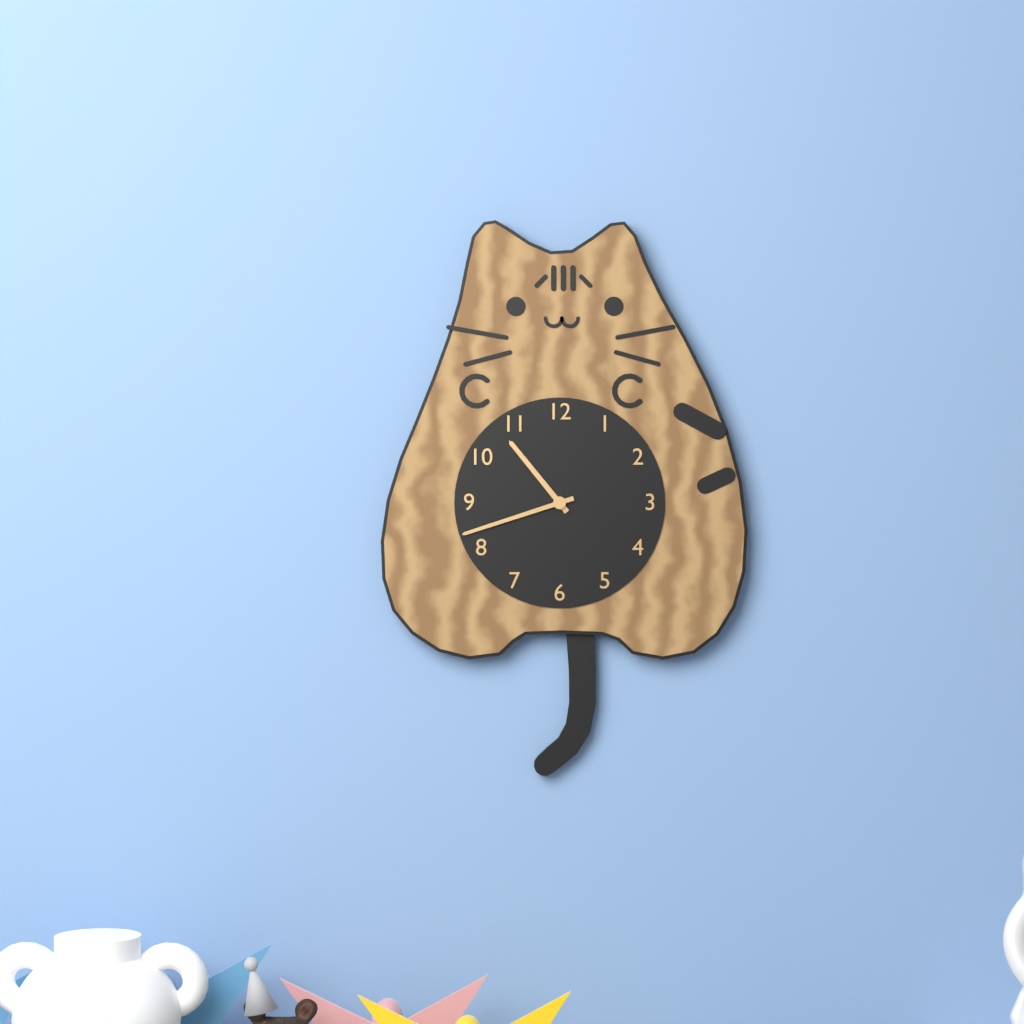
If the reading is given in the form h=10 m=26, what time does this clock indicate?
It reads h=10 m=42
